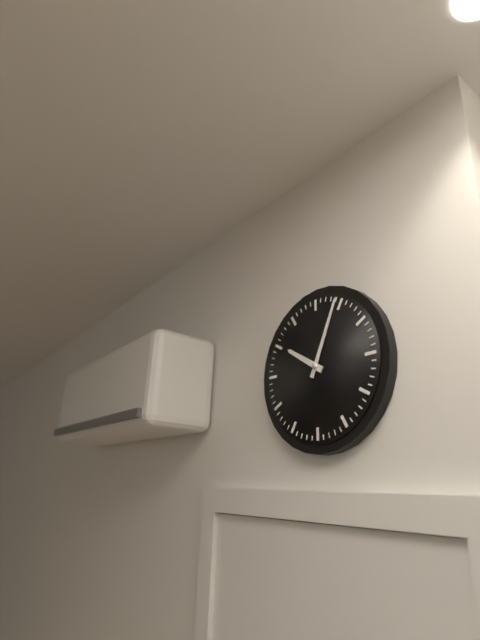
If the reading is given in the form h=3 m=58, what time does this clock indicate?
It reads h=10 m=4
